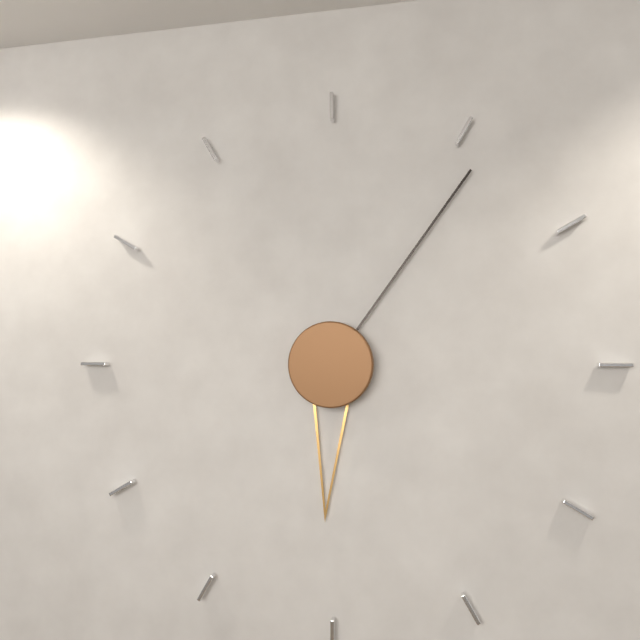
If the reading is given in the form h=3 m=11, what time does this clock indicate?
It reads h=6 m=6
